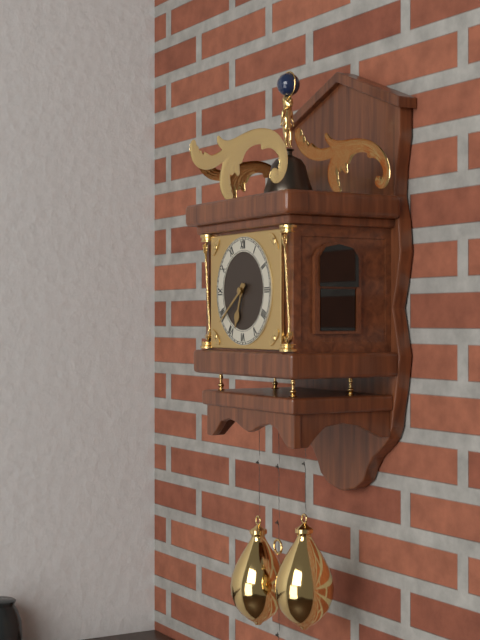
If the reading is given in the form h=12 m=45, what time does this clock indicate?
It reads h=6 m=39
